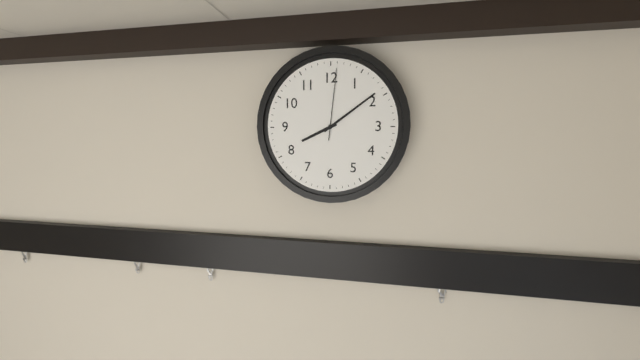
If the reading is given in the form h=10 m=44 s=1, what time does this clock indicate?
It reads h=8 m=9 s=1
